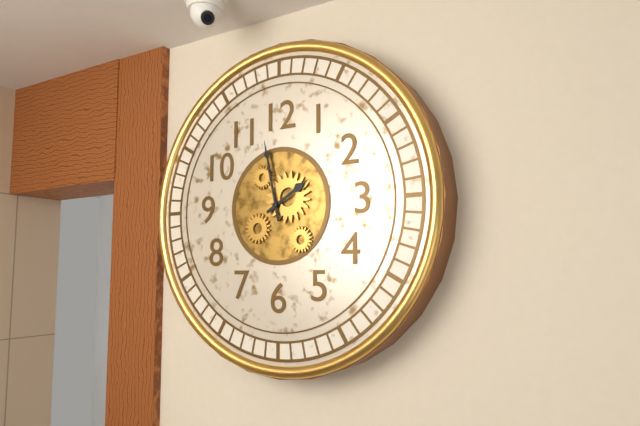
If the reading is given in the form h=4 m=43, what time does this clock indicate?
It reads h=1 m=58
